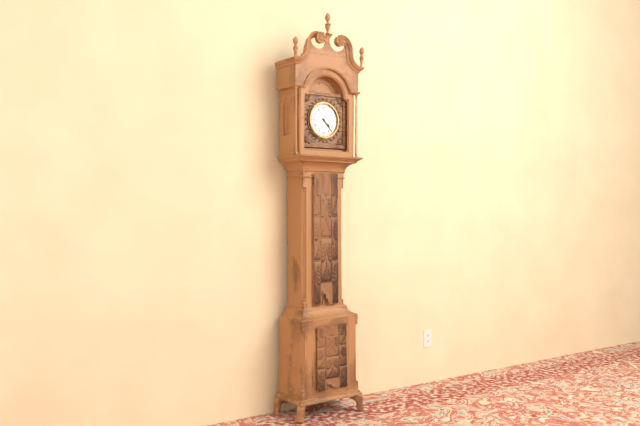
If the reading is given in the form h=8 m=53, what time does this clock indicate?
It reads h=4 m=23
